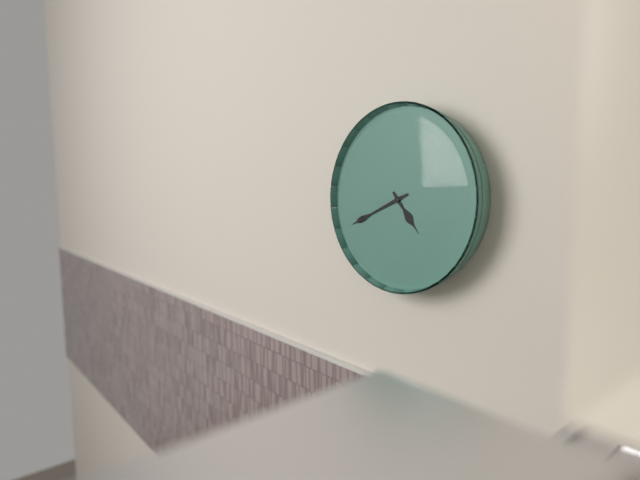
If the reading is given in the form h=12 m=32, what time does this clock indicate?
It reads h=4 m=41
